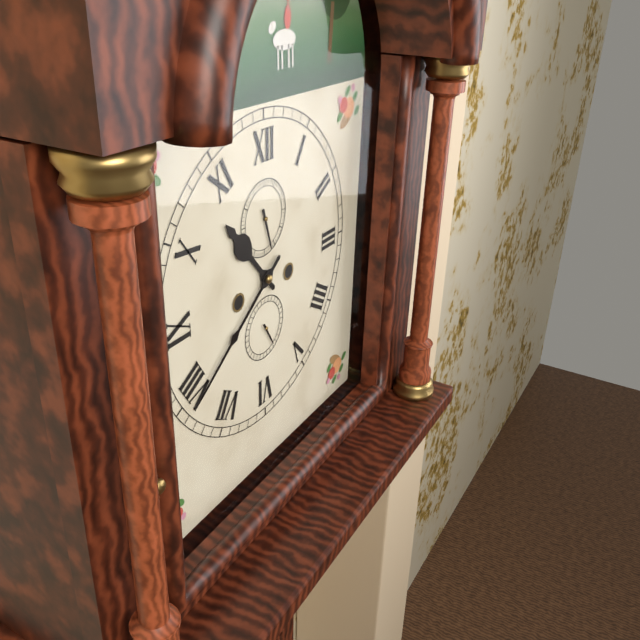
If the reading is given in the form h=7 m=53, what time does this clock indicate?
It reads h=10 m=39
